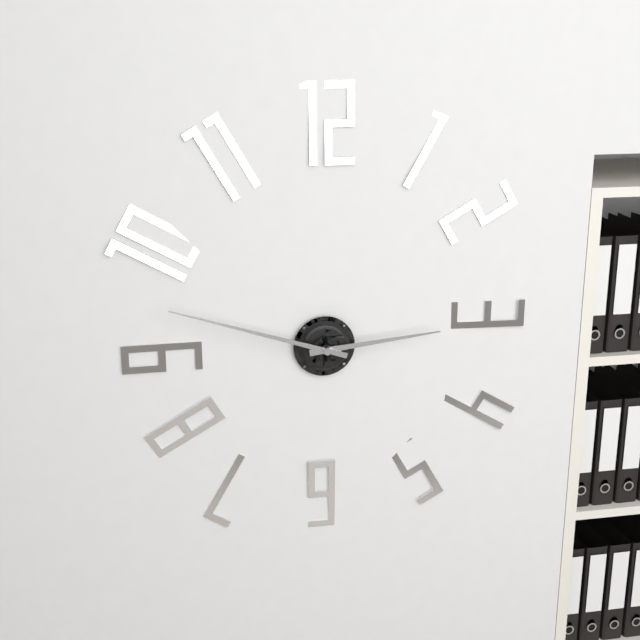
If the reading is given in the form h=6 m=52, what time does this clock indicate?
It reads h=2 m=48
